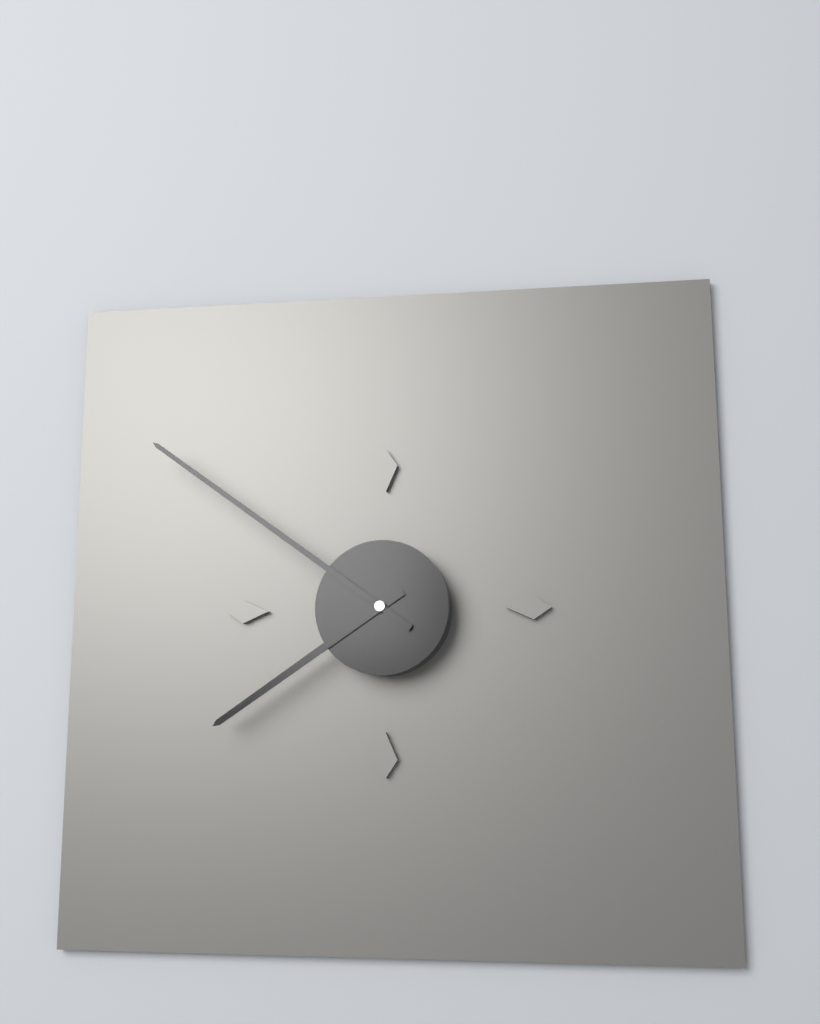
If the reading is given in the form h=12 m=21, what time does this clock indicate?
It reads h=7 m=51
